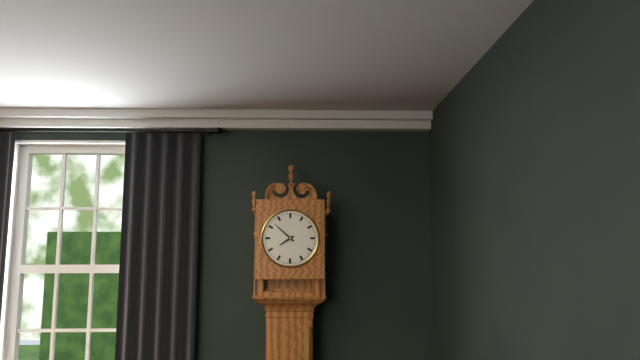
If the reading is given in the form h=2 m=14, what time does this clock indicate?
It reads h=7 m=52
